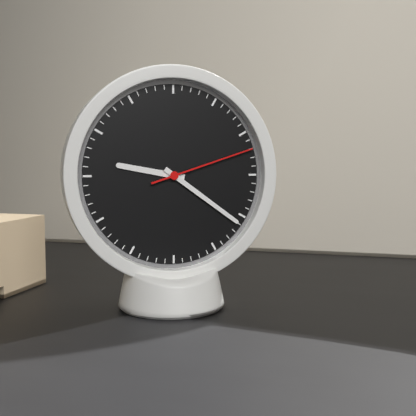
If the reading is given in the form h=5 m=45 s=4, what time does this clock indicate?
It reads h=9 m=21 s=12
